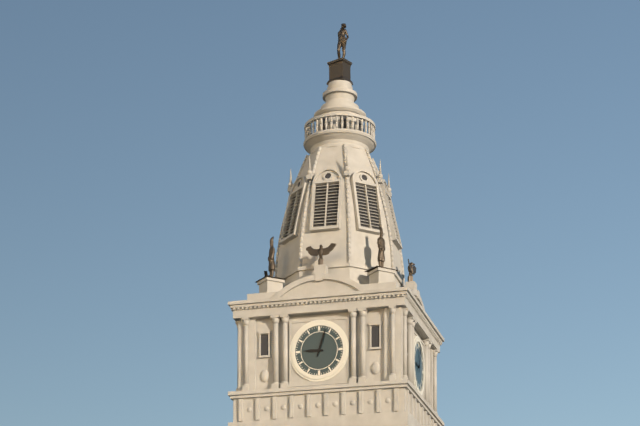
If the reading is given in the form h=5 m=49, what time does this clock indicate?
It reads h=9 m=3
